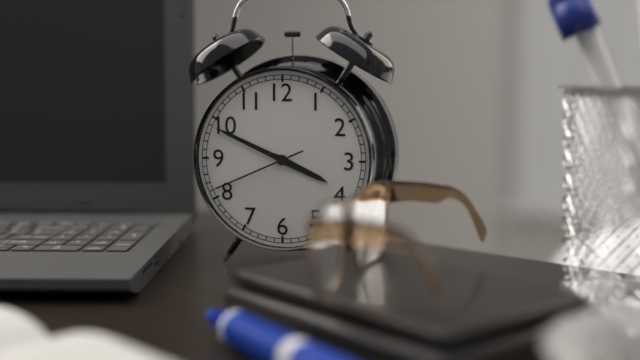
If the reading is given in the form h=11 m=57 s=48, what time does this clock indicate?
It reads h=3 m=49 s=41
